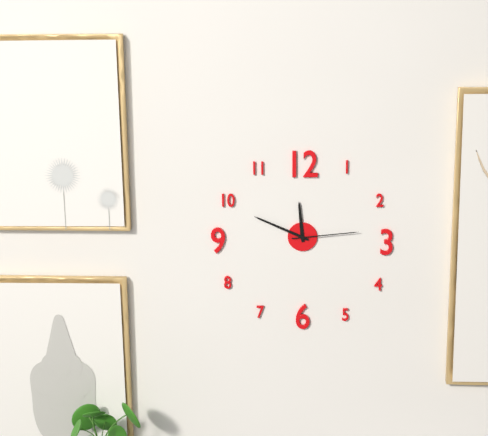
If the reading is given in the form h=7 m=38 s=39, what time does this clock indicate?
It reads h=11 m=49 s=14
